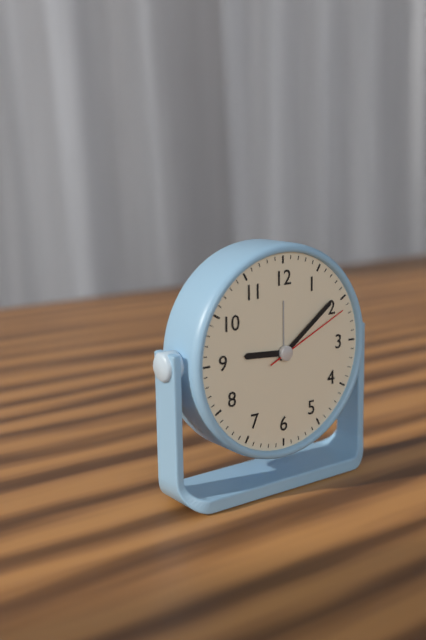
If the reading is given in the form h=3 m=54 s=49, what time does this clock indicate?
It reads h=9 m=9 s=11
